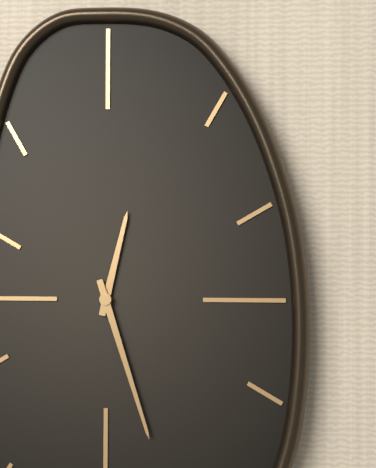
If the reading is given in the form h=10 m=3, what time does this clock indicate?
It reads h=12 m=27
